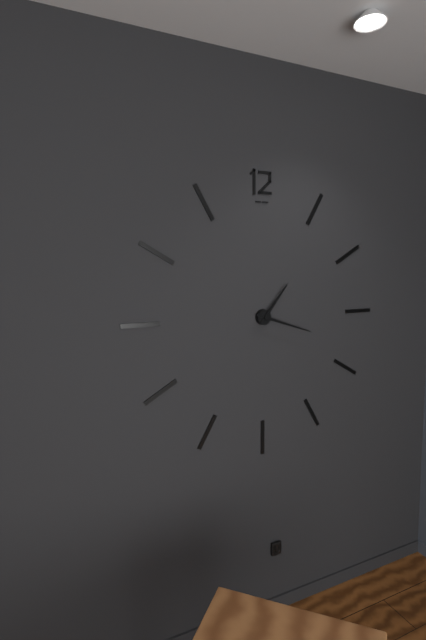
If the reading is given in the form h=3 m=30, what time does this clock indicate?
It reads h=1 m=18
